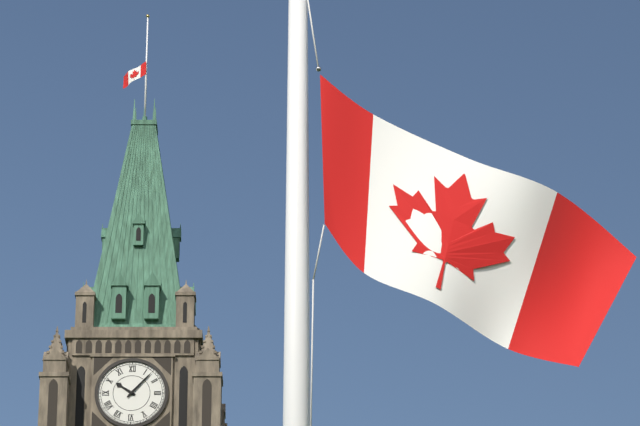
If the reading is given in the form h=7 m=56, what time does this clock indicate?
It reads h=10 m=7
